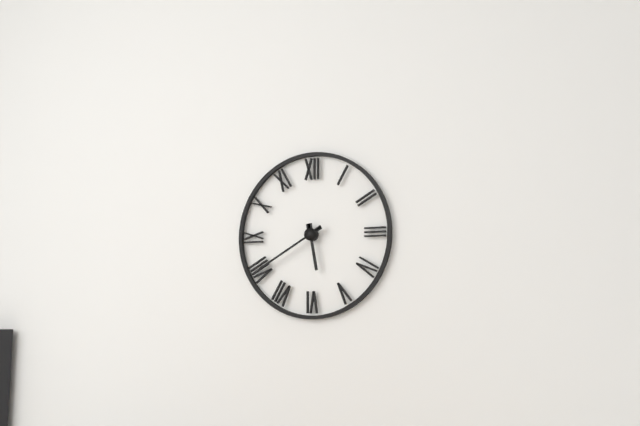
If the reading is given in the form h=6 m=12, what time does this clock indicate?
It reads h=5 m=40
